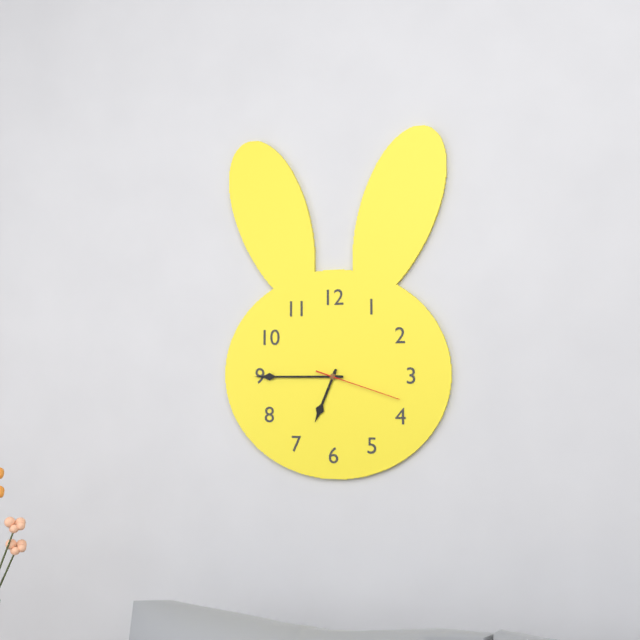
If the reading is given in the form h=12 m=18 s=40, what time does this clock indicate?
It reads h=6 m=45 s=18
